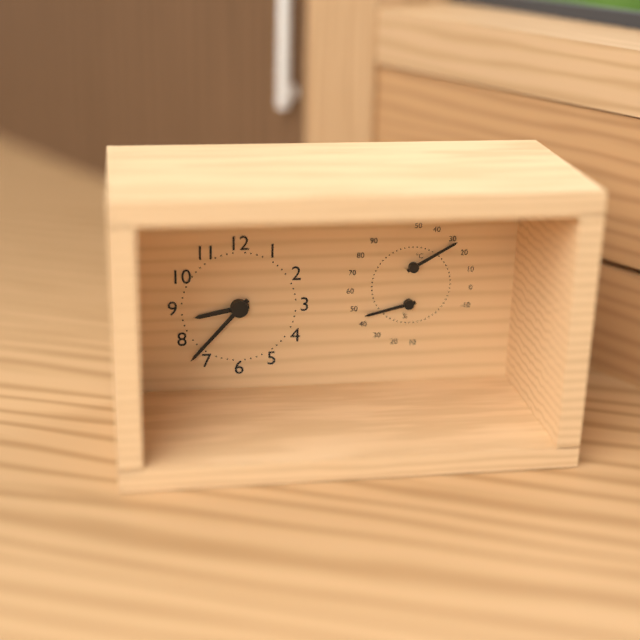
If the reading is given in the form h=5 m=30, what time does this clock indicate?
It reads h=8 m=37
